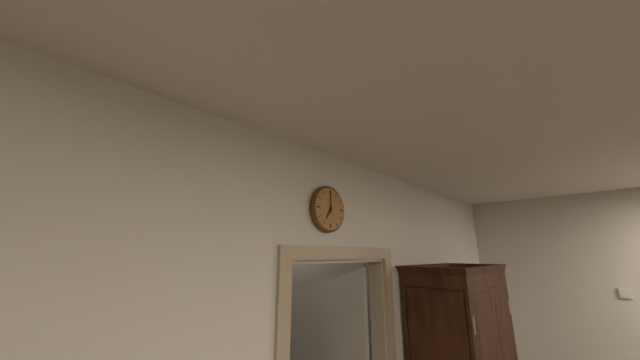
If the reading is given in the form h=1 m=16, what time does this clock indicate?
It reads h=7 m=0
